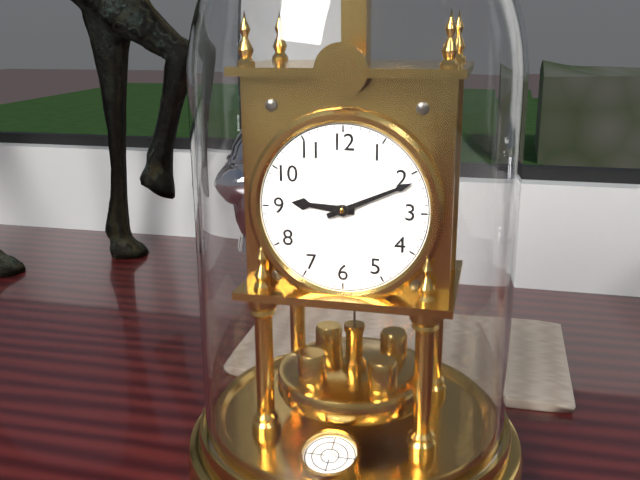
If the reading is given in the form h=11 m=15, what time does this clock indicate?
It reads h=9 m=11
